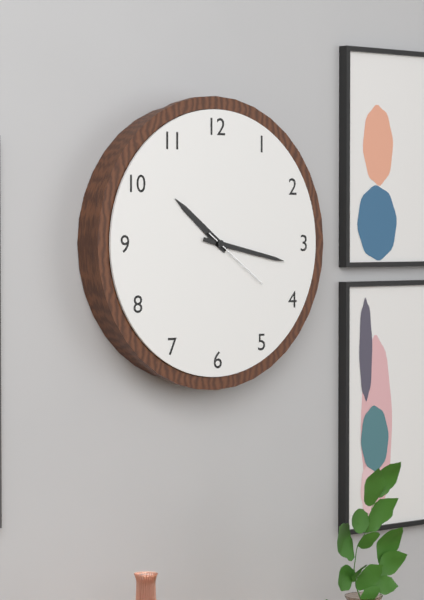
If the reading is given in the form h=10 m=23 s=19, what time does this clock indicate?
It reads h=10 m=17 s=21
